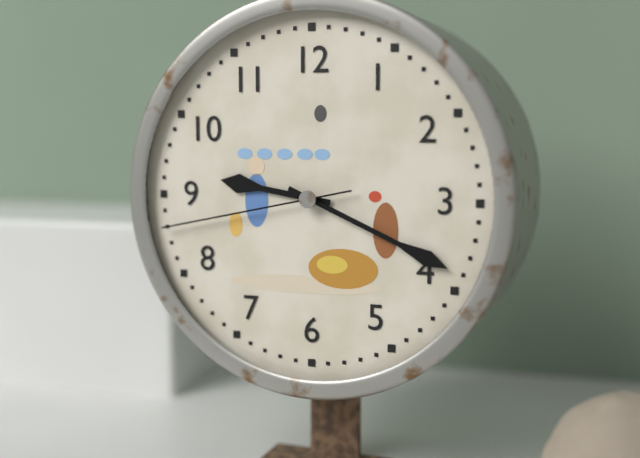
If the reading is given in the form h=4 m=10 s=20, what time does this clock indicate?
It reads h=9 m=19 s=43
